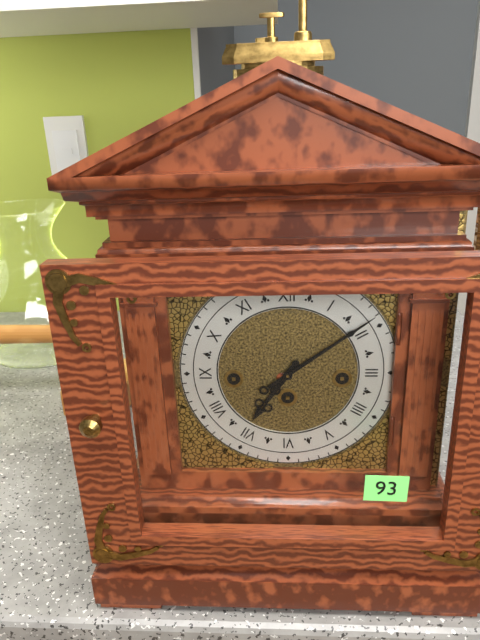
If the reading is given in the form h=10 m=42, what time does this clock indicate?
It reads h=7 m=9
